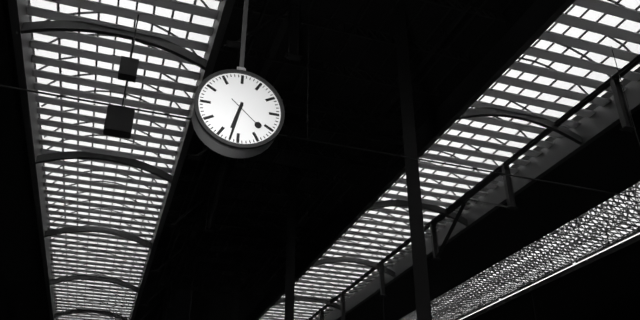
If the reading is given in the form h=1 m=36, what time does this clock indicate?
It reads h=6 m=32
